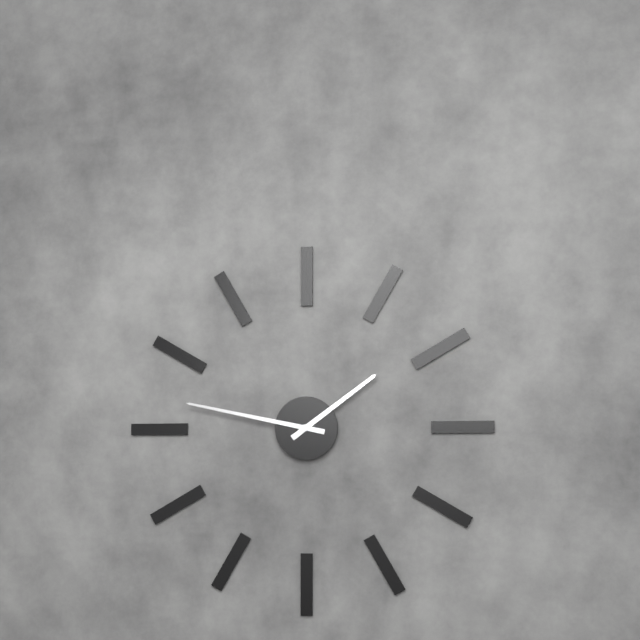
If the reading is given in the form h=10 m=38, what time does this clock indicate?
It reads h=1 m=47
